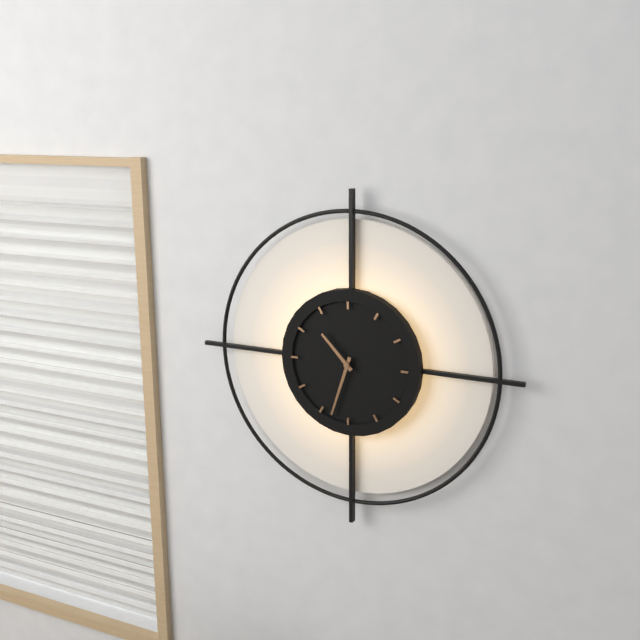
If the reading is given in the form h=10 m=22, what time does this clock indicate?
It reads h=10 m=33
